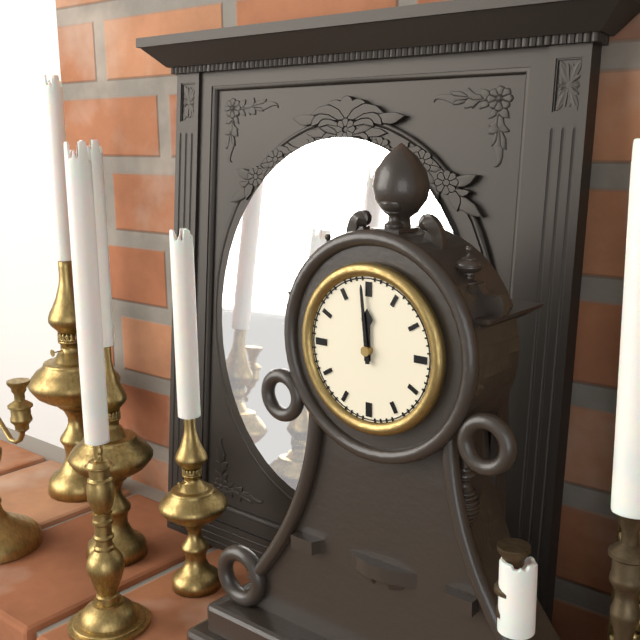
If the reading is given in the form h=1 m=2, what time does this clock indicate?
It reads h=11 m=59
